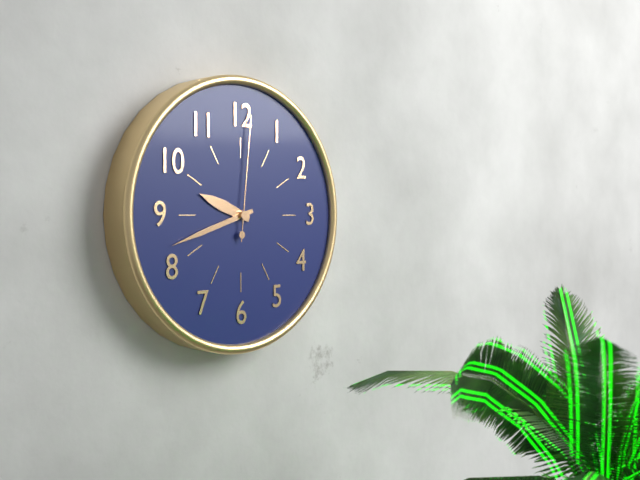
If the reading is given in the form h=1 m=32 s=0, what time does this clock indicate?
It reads h=9 m=42 s=1
